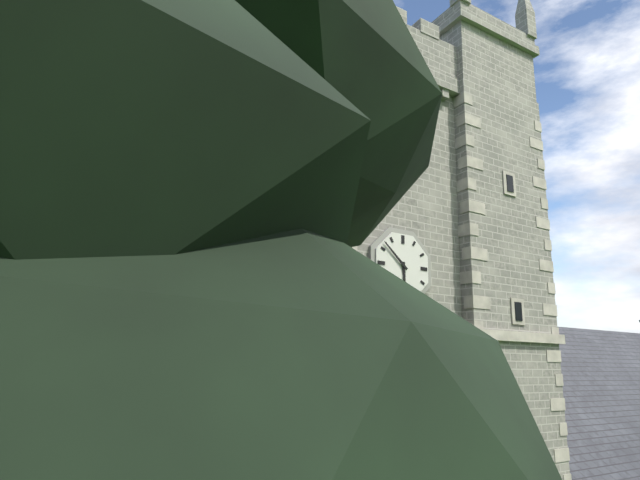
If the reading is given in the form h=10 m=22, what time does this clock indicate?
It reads h=5 m=52
